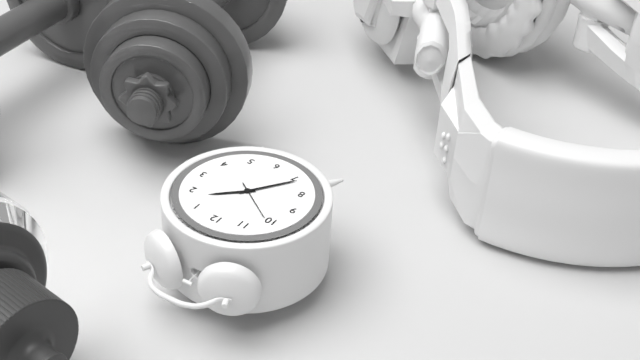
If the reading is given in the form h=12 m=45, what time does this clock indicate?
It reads h=1 m=36
